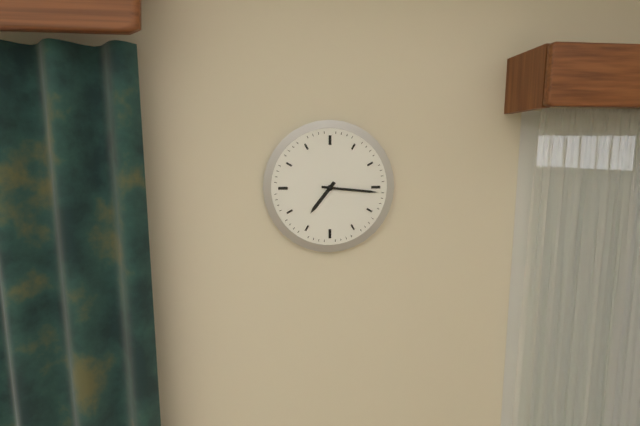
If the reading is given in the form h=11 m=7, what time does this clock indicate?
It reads h=7 m=16
